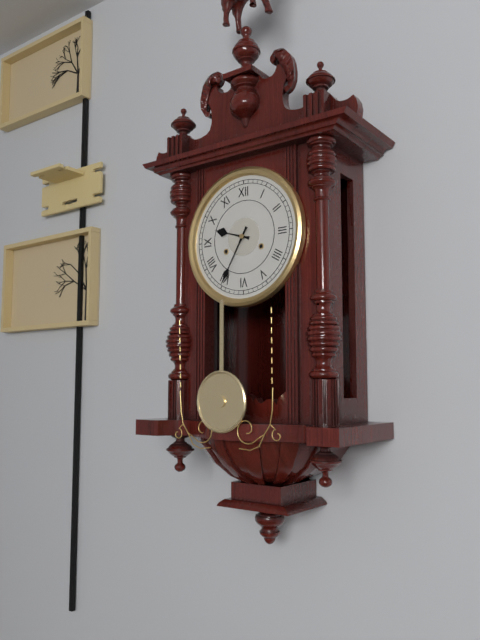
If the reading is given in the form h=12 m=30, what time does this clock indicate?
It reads h=9 m=35
